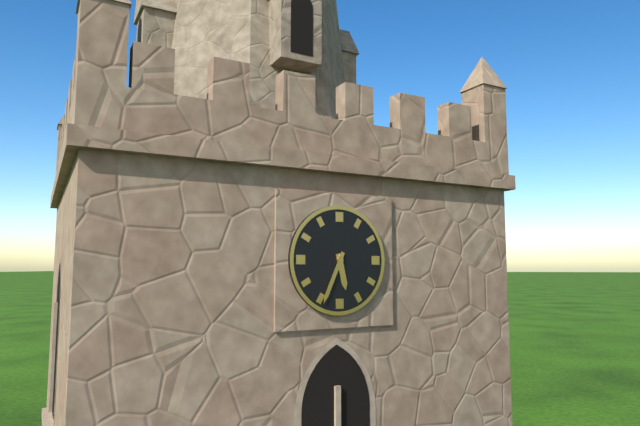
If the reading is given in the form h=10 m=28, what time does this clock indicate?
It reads h=5 m=34
